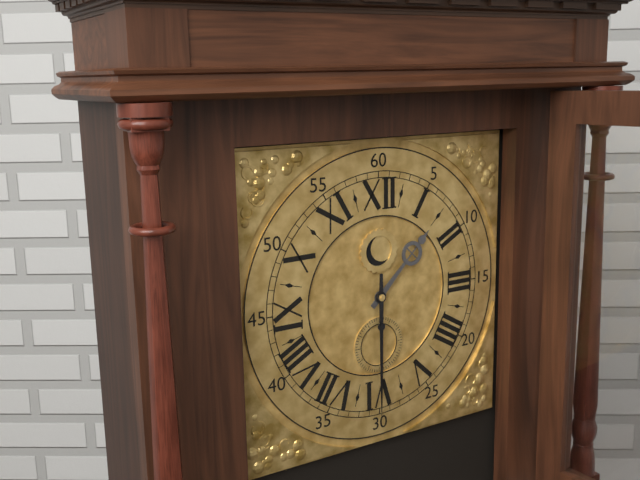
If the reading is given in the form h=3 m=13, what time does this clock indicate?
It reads h=1 m=30
